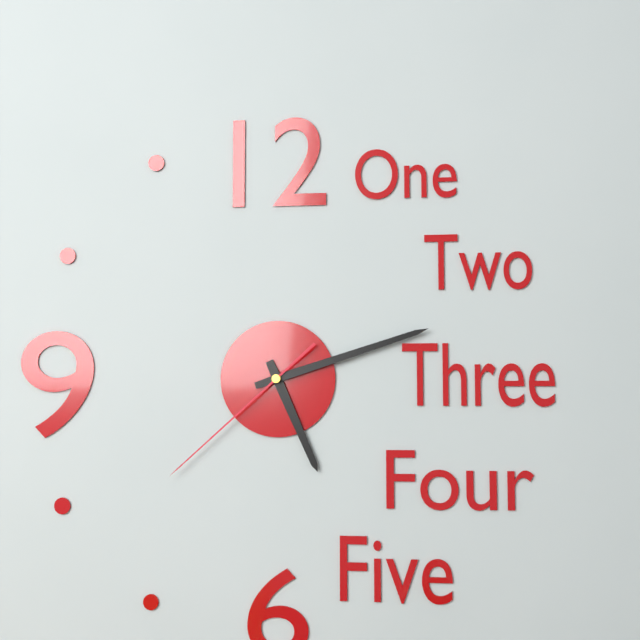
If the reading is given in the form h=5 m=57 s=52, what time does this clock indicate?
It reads h=5 m=12 s=38
